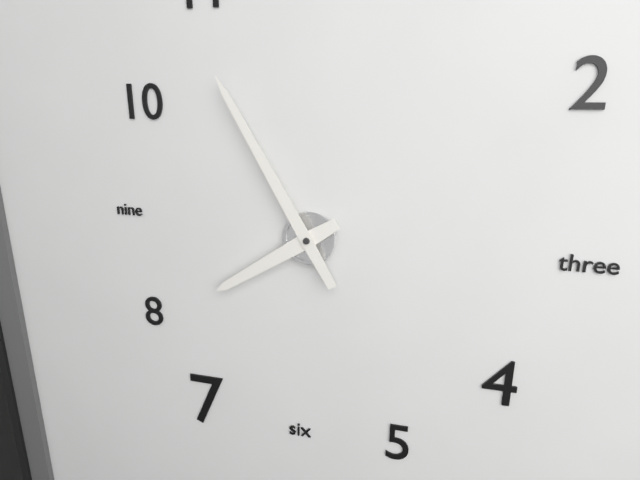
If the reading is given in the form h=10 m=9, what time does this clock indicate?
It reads h=7 m=55
